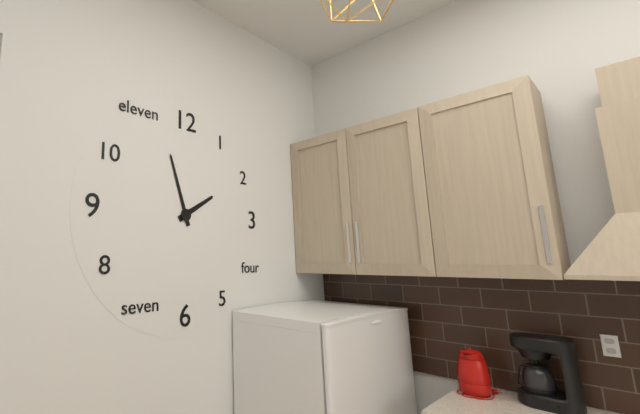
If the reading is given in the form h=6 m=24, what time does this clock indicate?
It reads h=1 m=57
